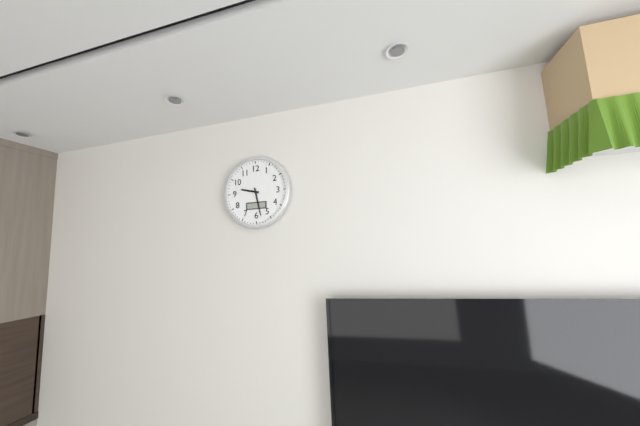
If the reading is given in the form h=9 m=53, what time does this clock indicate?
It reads h=9 m=28
